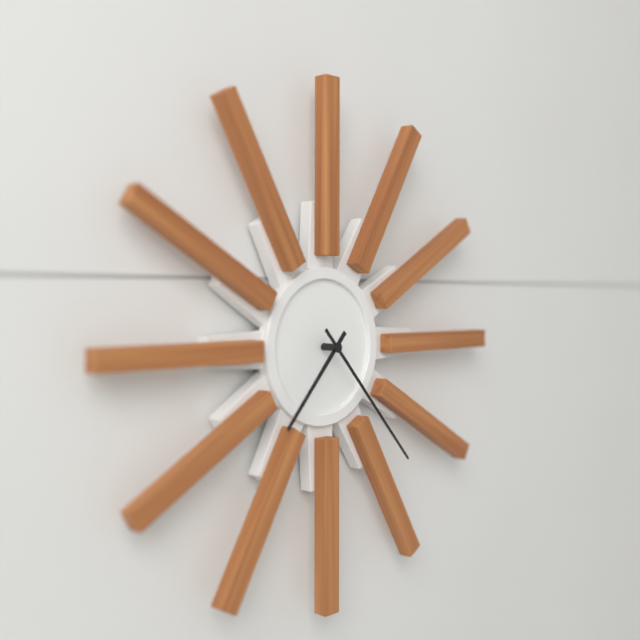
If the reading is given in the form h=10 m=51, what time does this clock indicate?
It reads h=7 m=23
